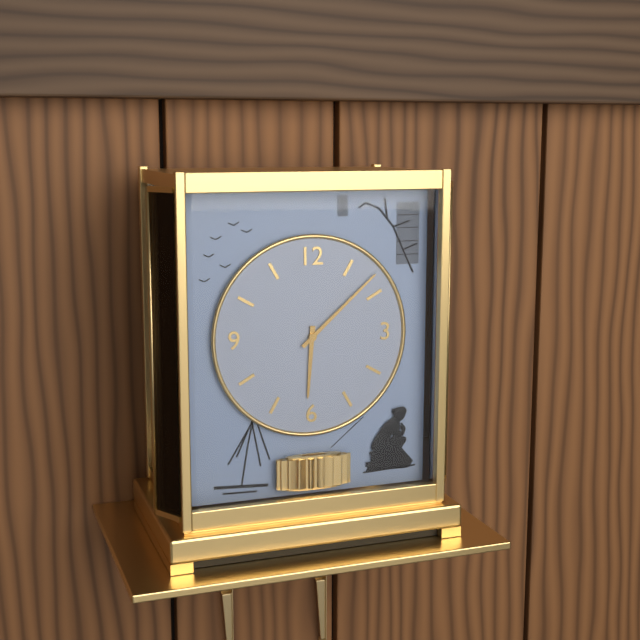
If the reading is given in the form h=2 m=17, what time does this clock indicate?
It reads h=6 m=8
